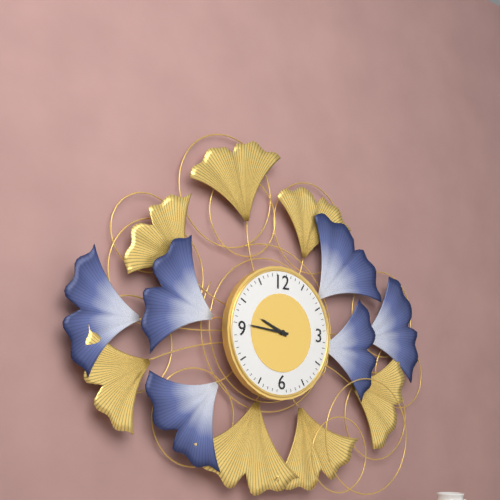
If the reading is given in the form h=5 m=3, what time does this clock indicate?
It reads h=9 m=46
